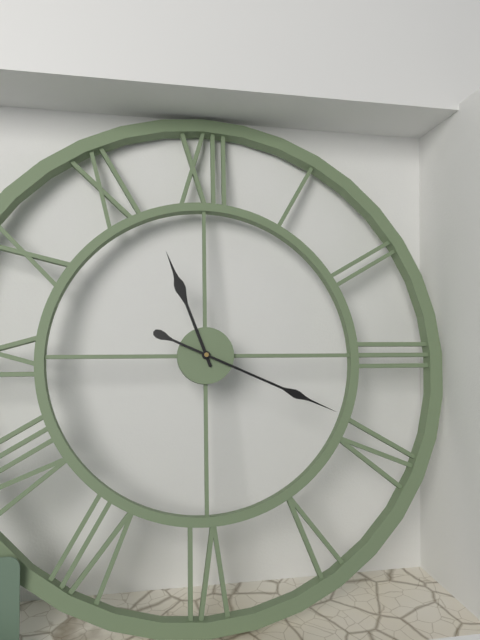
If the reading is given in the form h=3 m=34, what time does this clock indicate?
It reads h=11 m=19
